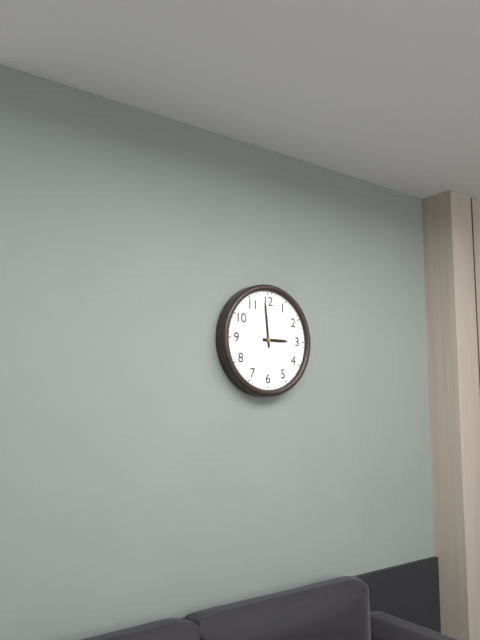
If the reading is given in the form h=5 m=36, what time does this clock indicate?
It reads h=2 m=59
